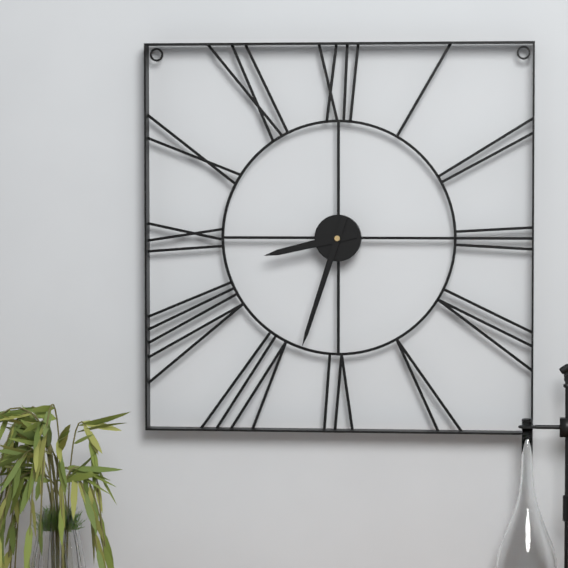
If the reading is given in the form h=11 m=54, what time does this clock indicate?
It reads h=8 m=33
